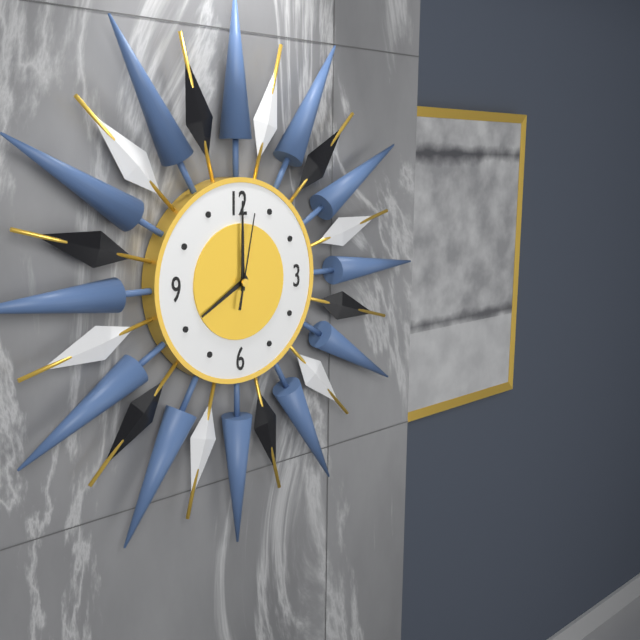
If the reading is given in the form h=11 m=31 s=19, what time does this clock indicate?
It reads h=8 m=0 s=2
